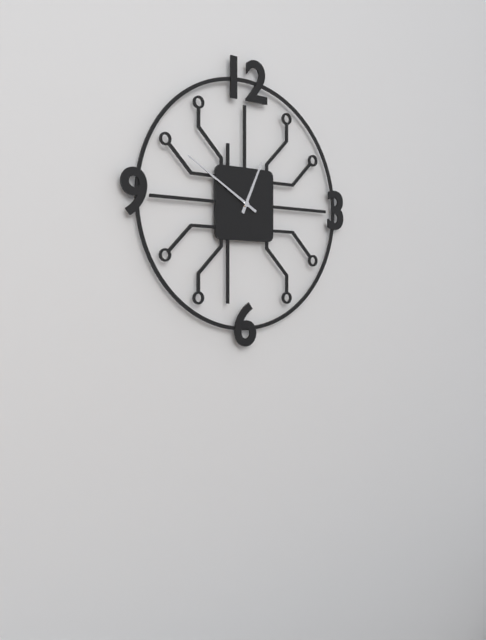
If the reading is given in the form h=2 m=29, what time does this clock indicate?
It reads h=12 m=50
